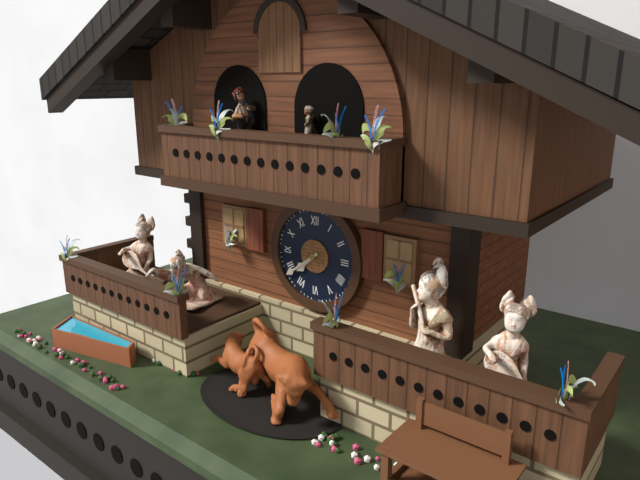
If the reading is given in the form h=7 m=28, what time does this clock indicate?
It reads h=7 m=39
